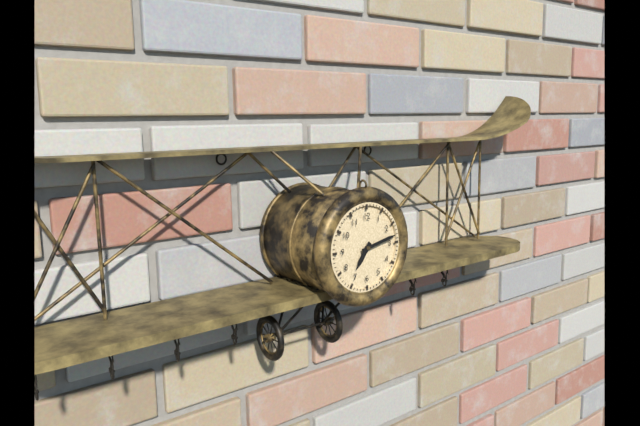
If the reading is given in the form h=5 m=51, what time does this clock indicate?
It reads h=7 m=13
